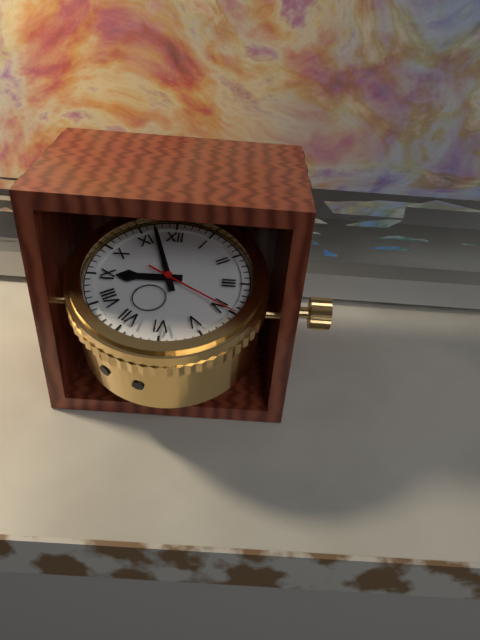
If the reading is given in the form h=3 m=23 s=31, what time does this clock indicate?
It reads h=8 m=57 s=20
